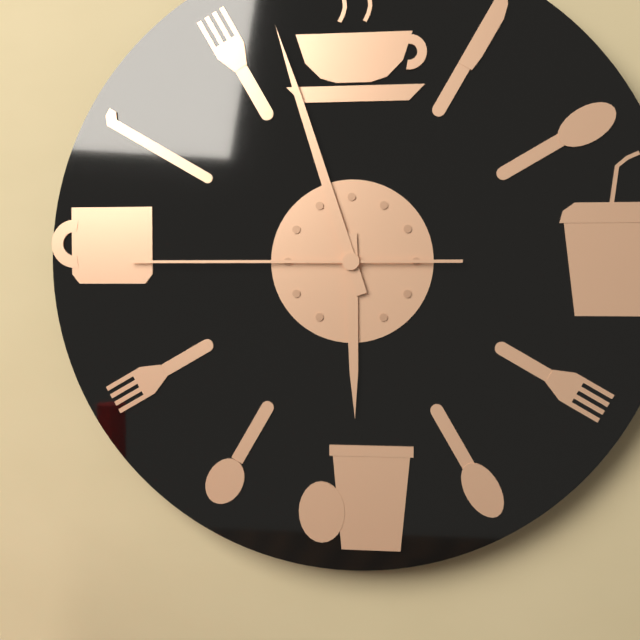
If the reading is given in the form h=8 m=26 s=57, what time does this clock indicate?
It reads h=5 m=57 s=45
